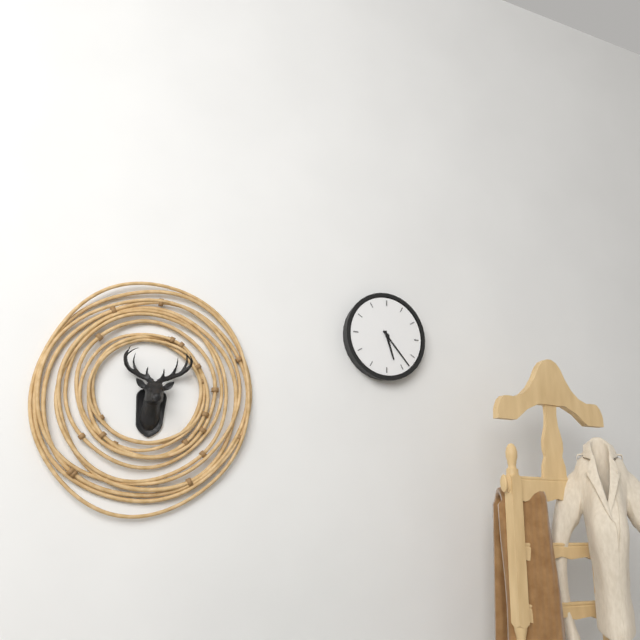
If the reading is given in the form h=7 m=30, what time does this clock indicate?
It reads h=5 m=23
